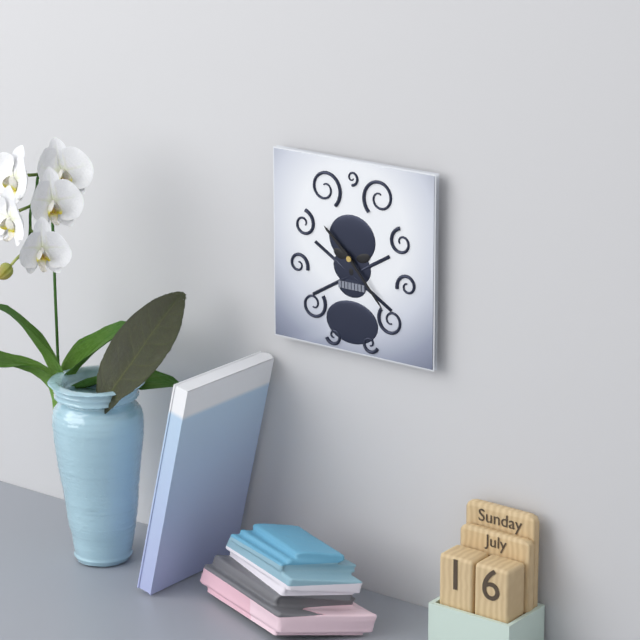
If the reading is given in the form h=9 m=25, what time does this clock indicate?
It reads h=10 m=23
